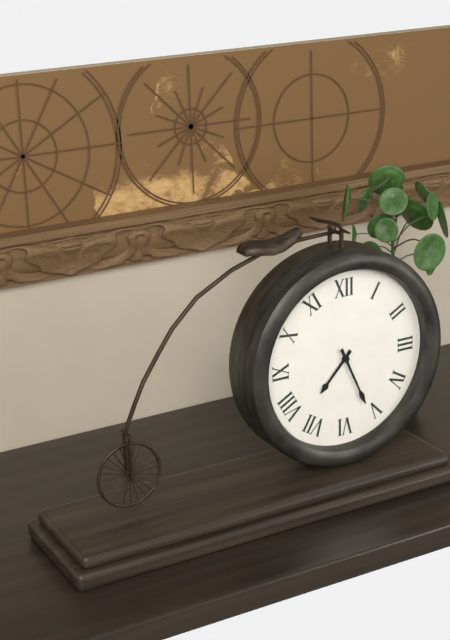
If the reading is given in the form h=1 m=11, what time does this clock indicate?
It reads h=7 m=26
